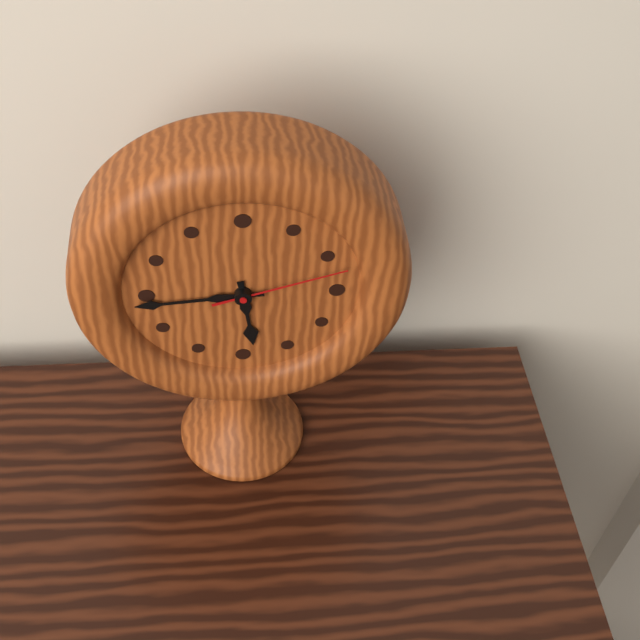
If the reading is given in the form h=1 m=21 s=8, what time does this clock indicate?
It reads h=5 m=44 s=12
